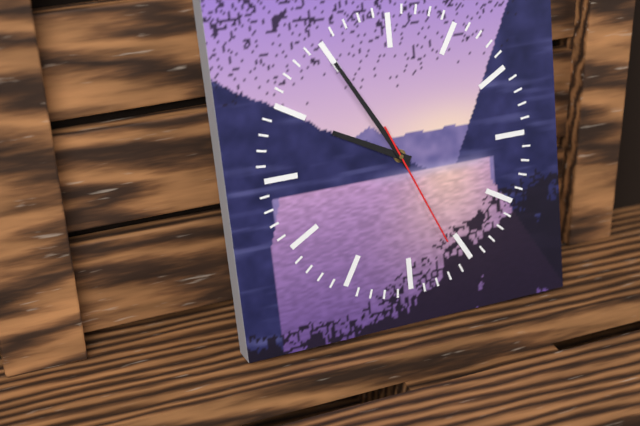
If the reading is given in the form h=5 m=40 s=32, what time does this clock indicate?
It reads h=9 m=55 s=26
